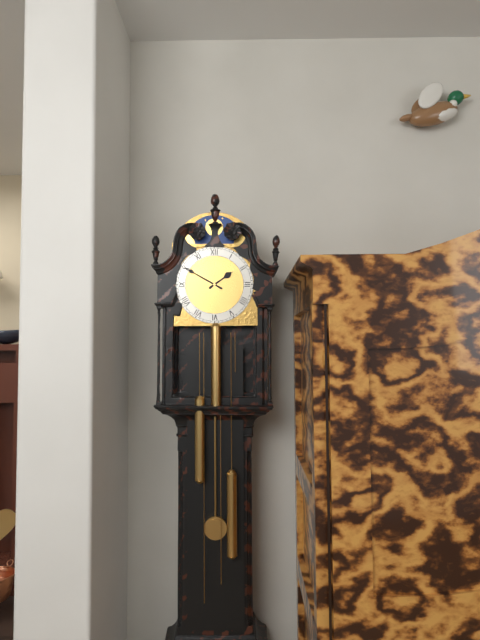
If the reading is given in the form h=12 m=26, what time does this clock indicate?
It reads h=1 m=50
